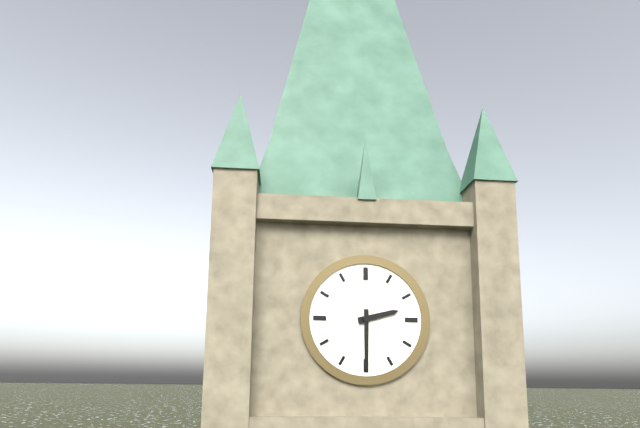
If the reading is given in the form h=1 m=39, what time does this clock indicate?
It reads h=2 m=30
